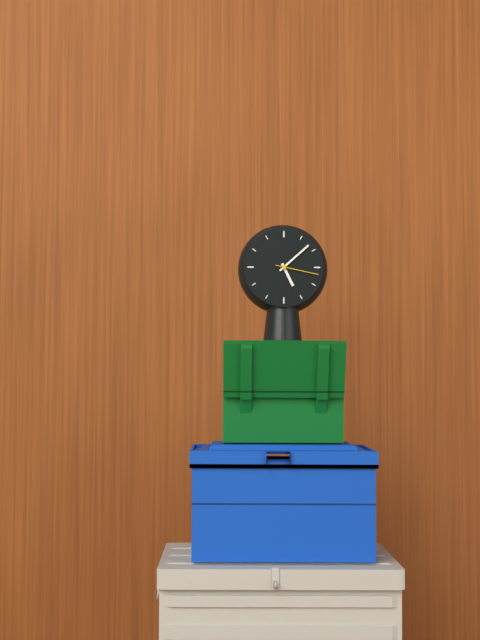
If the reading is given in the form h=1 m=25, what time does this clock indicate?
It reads h=5 m=8
